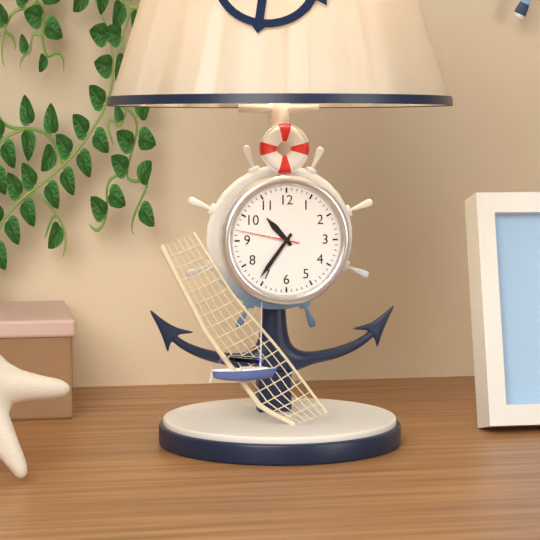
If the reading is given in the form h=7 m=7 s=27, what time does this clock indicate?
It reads h=10 m=36 s=47
